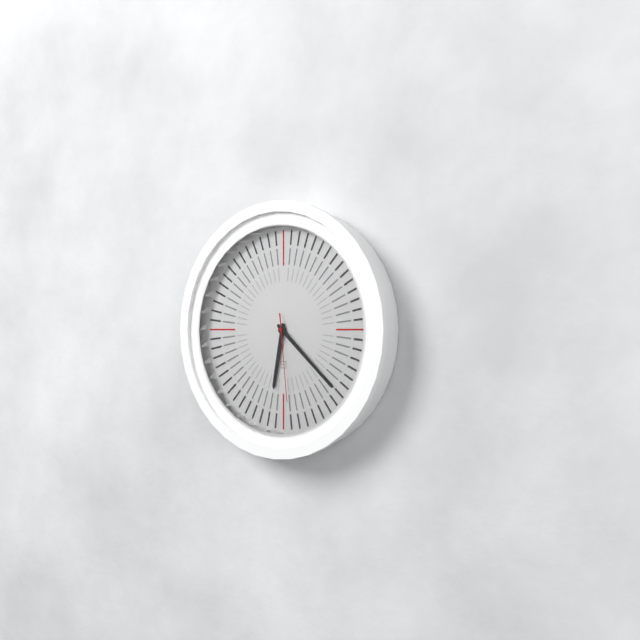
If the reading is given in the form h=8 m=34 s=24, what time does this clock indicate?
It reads h=6 m=22 s=29
